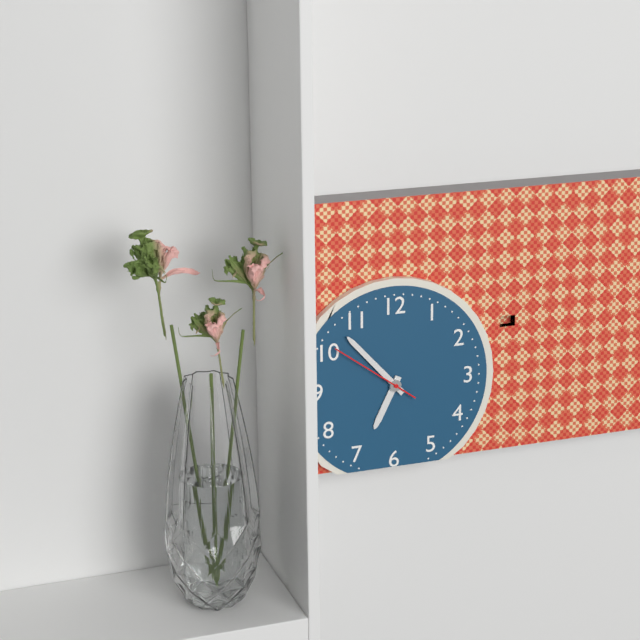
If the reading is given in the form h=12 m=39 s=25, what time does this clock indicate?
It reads h=6 m=53 s=51
